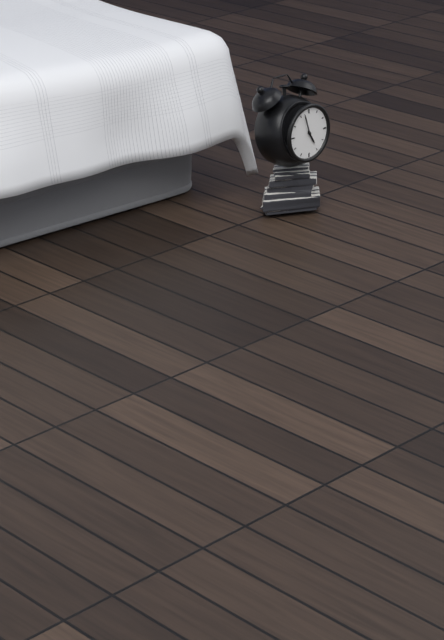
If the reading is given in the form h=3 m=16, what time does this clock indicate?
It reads h=4 m=57
